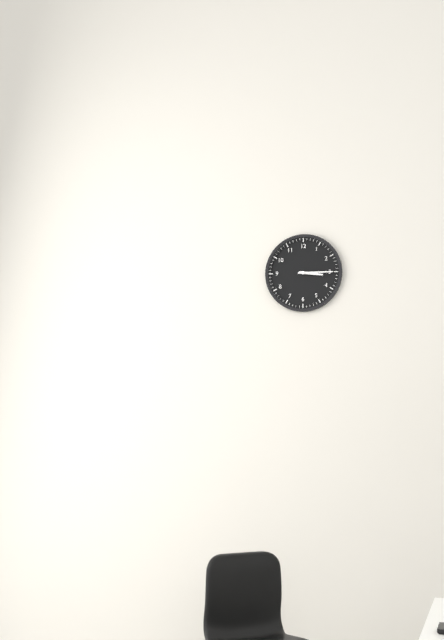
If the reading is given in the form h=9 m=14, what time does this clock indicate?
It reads h=3 m=15
